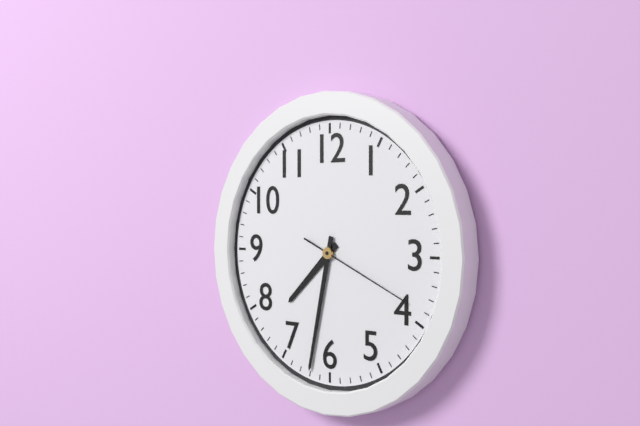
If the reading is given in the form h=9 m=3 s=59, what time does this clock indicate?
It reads h=7 m=32 s=19
